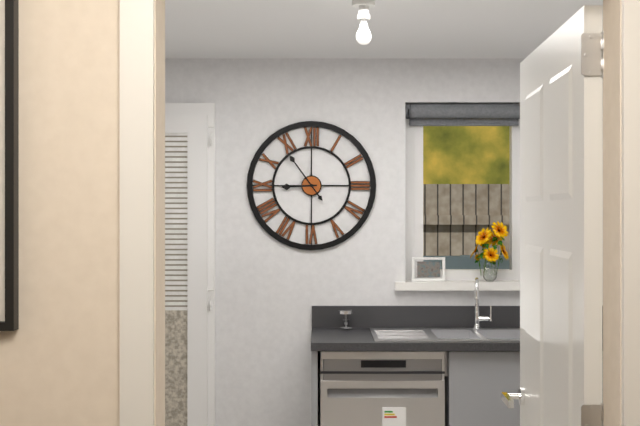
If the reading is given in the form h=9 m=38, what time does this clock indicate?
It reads h=8 m=54
